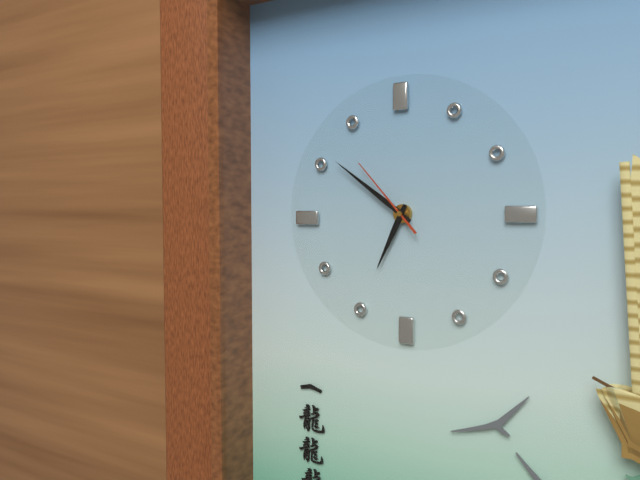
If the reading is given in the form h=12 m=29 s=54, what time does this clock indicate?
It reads h=6 m=51 s=53
